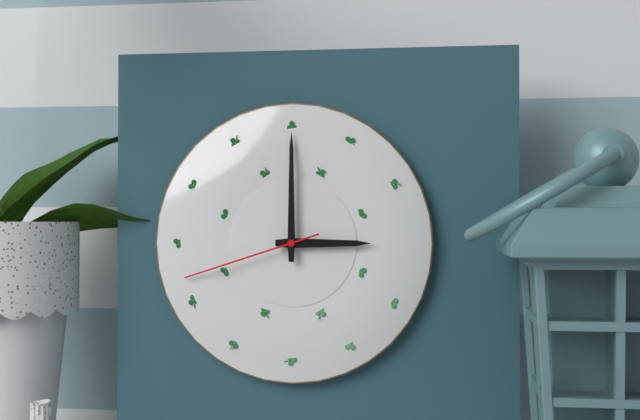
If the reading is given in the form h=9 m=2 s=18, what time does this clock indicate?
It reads h=3 m=0 s=42
